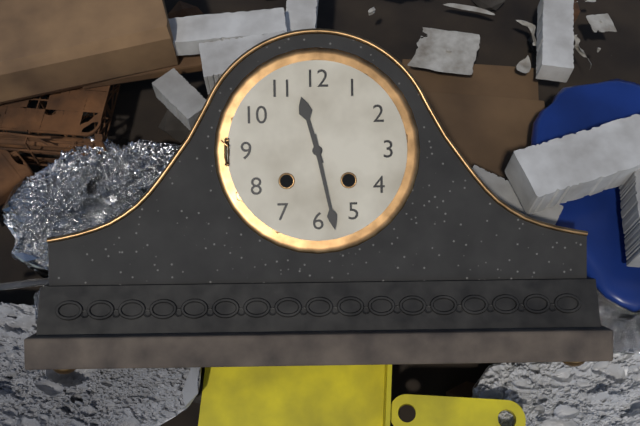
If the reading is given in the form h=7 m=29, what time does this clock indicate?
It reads h=11 m=28
